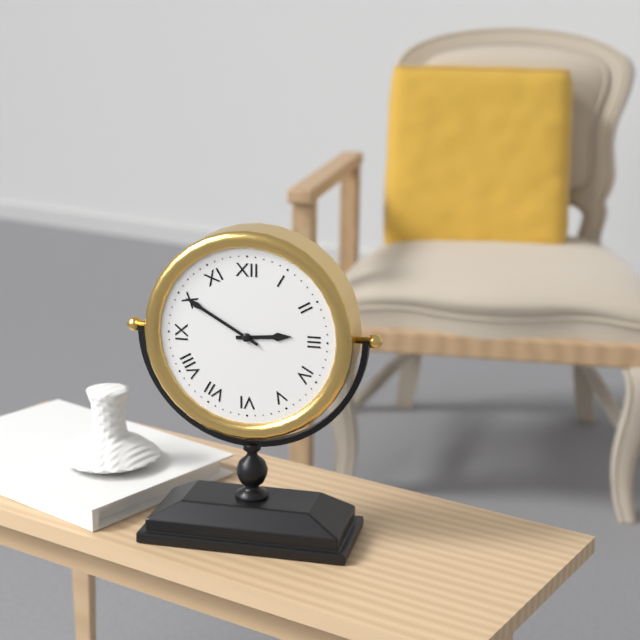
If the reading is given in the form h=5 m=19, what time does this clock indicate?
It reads h=2 m=50
